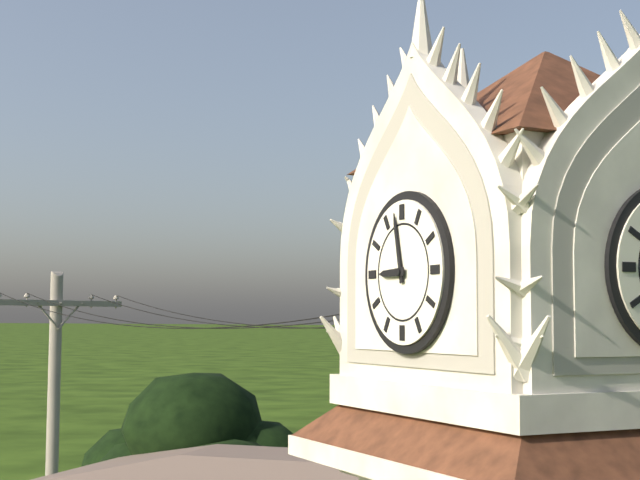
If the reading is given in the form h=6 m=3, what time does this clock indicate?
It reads h=8 m=58
